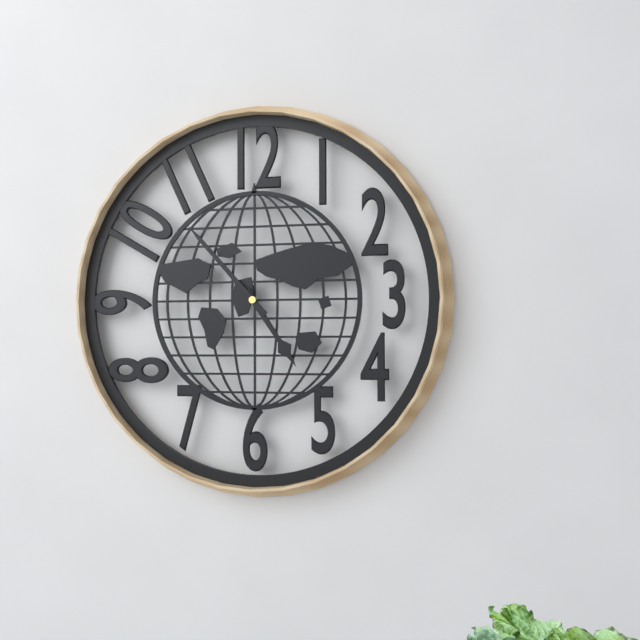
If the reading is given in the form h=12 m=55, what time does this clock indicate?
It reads h=4 m=53
